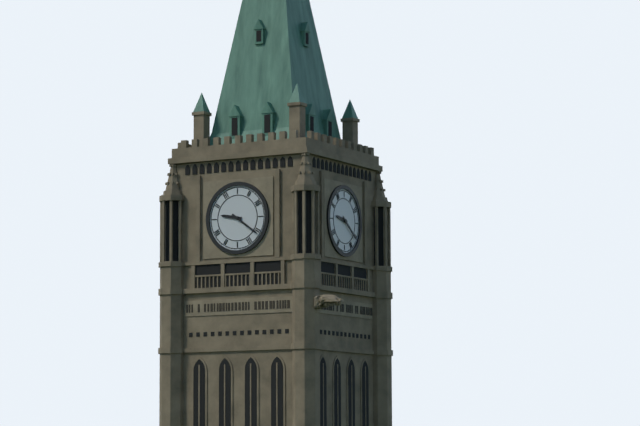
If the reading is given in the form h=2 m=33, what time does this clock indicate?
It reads h=9 m=21
